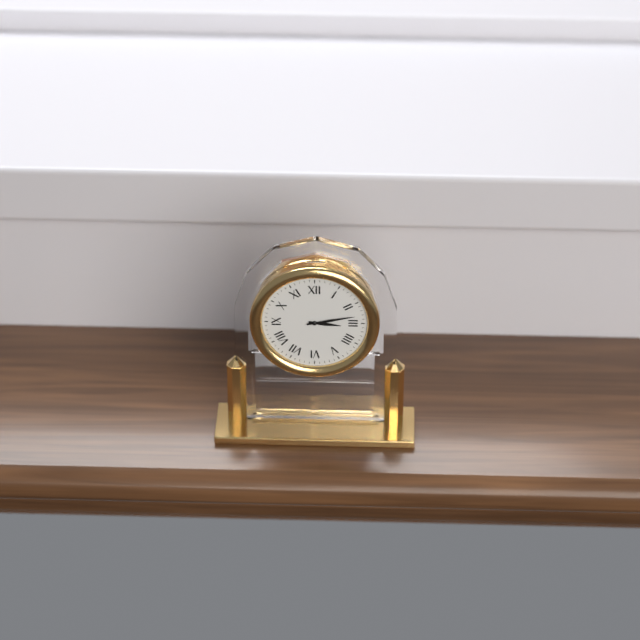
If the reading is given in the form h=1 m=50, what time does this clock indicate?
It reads h=3 m=13
